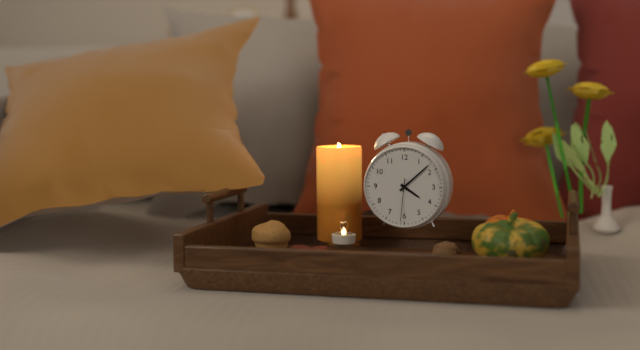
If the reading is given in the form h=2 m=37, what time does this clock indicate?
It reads h=4 m=8
